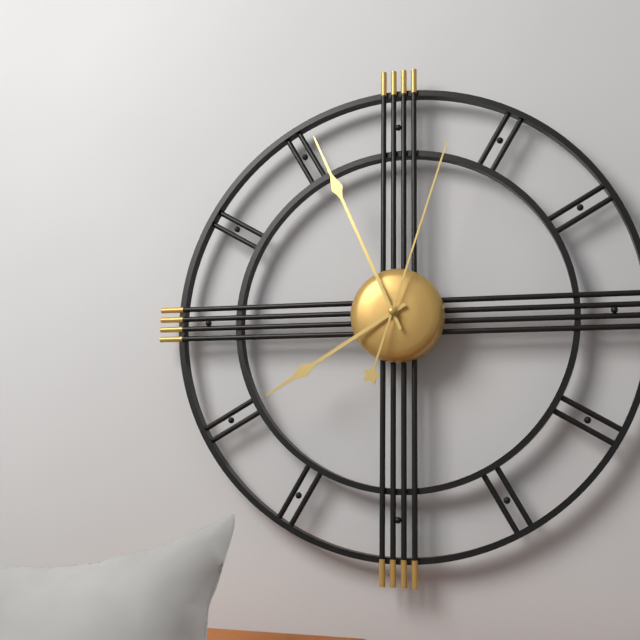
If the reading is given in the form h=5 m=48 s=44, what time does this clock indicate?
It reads h=7 m=56 s=3
